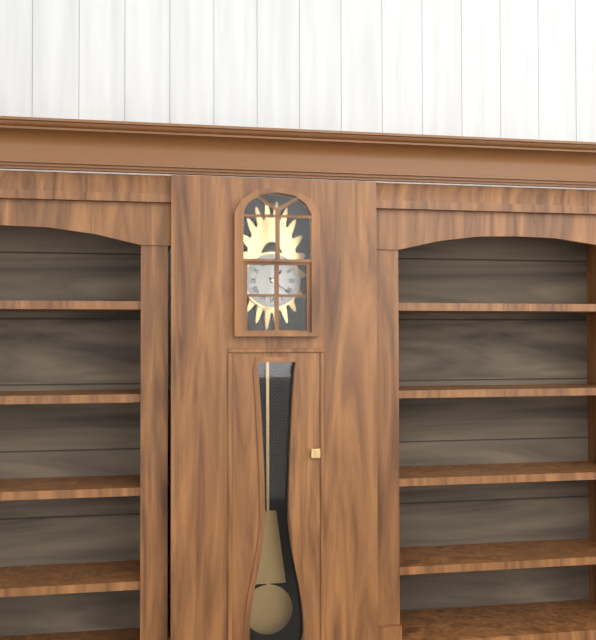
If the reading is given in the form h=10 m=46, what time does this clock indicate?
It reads h=1 m=21
